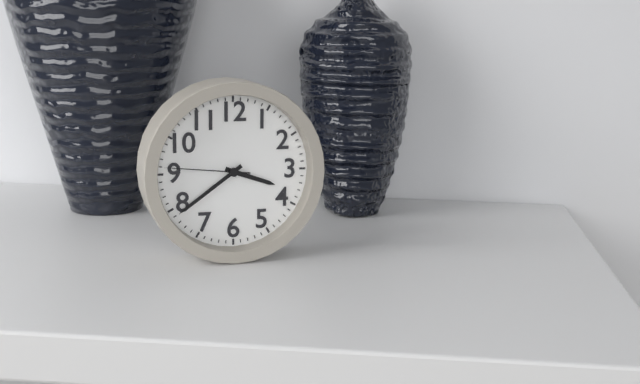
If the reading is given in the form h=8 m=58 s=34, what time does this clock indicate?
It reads h=3 m=39 s=46
